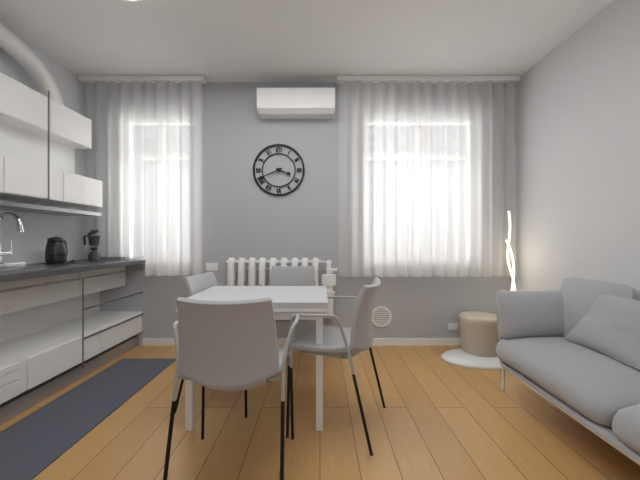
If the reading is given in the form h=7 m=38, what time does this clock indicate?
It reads h=3 m=41
